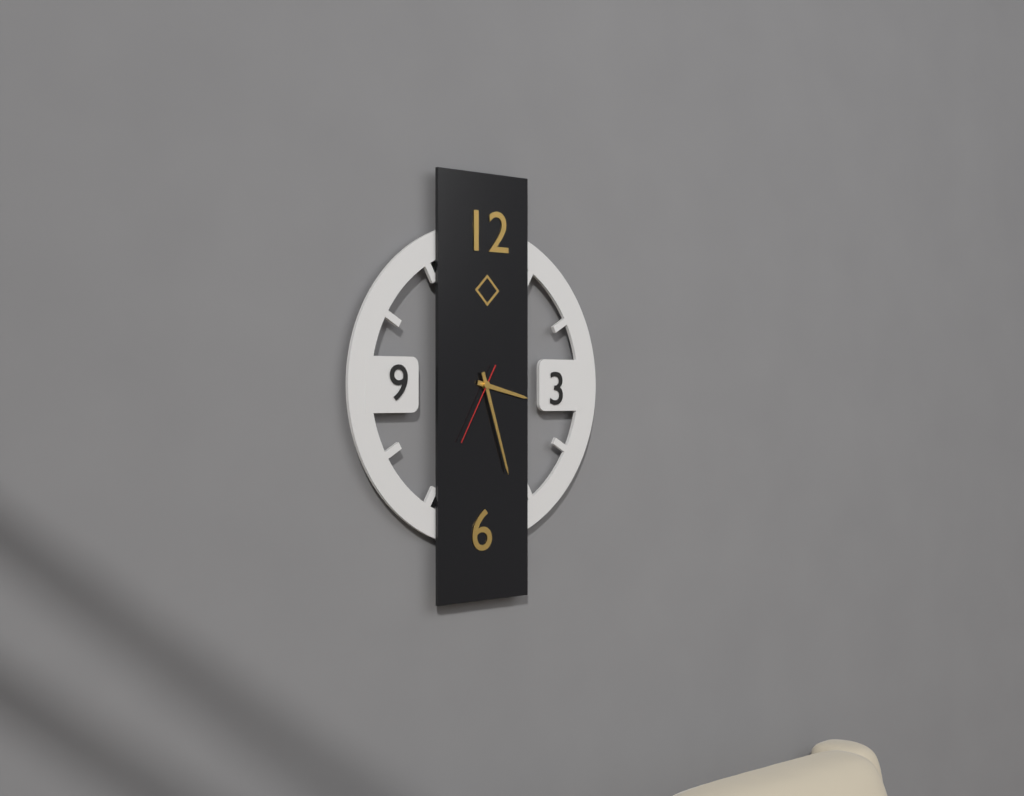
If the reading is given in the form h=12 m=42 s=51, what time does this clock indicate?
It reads h=3 m=27 s=35
